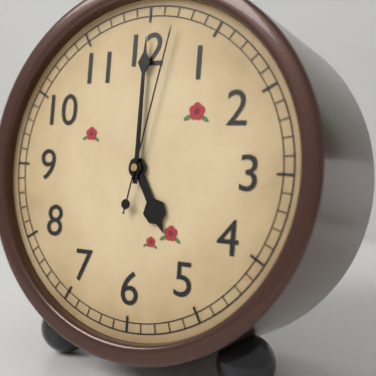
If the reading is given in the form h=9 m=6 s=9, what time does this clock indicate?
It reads h=5 m=0 s=2
